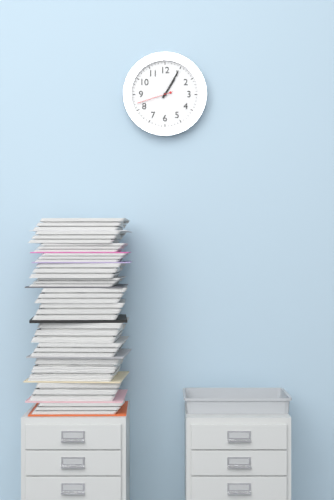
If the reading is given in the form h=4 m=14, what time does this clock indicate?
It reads h=1 m=5
